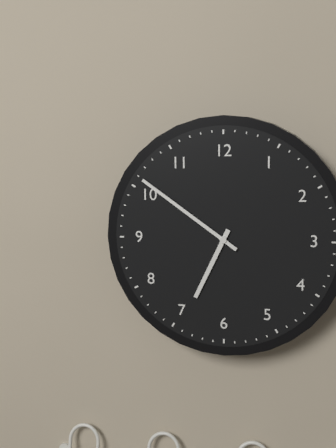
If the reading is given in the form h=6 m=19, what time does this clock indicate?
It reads h=6 m=51
